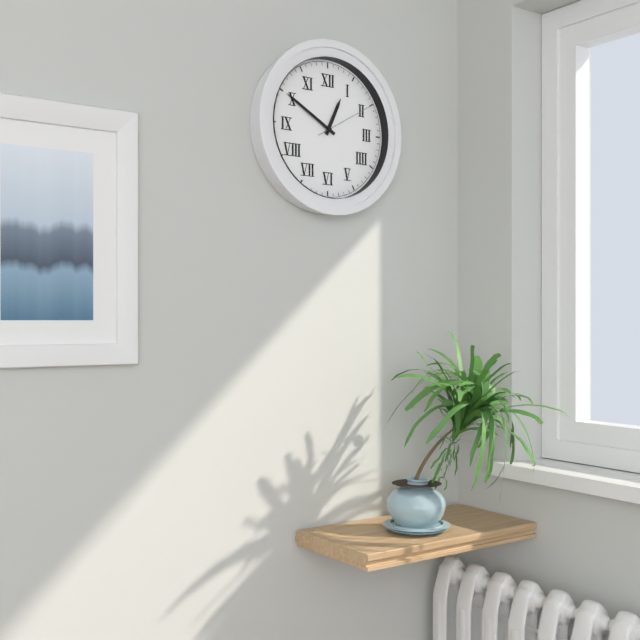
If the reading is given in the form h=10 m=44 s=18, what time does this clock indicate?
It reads h=12 m=50 s=10
